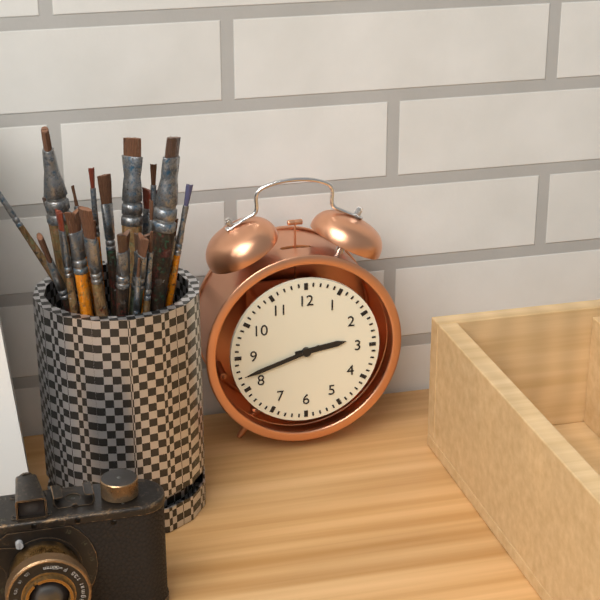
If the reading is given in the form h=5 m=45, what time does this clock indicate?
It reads h=2 m=42
